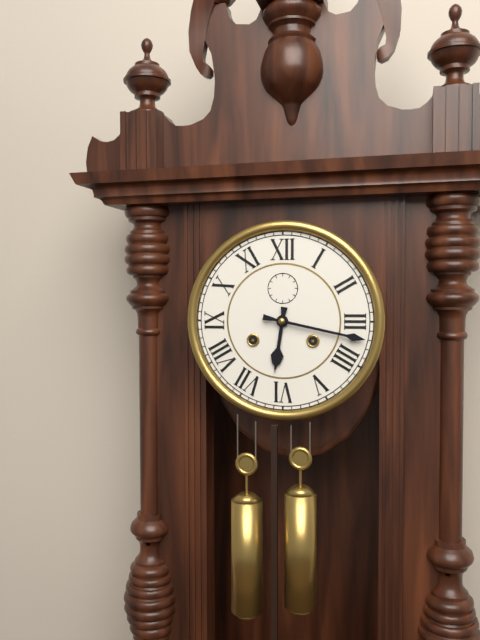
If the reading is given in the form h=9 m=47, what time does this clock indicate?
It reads h=6 m=17
